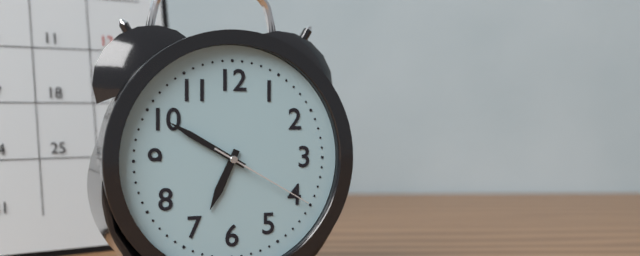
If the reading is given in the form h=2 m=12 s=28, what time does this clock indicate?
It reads h=6 m=50 s=20
